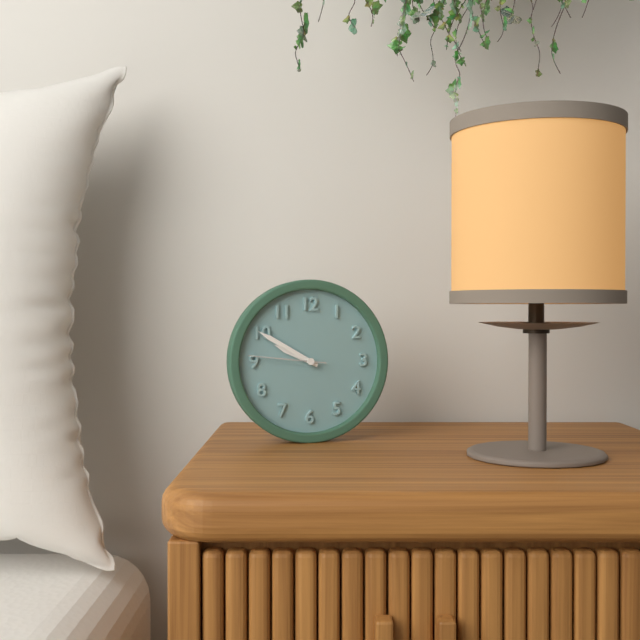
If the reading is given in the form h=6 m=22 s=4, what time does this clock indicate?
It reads h=9 m=50 s=46
